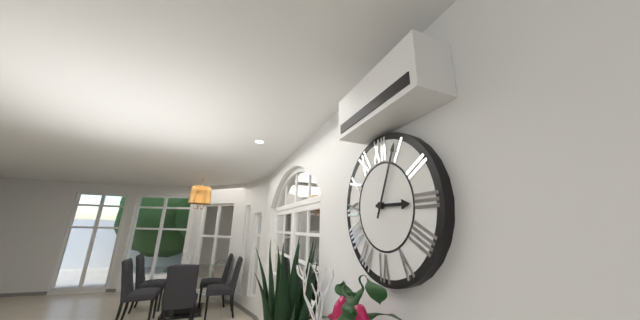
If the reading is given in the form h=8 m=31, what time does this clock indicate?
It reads h=3 m=4
